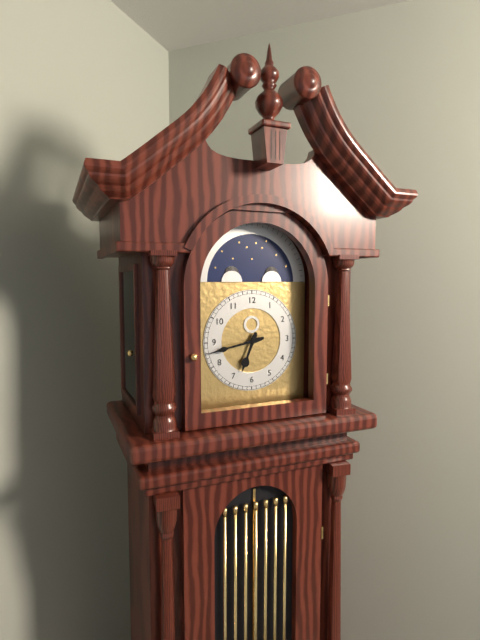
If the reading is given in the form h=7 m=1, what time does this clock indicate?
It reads h=6 m=43
